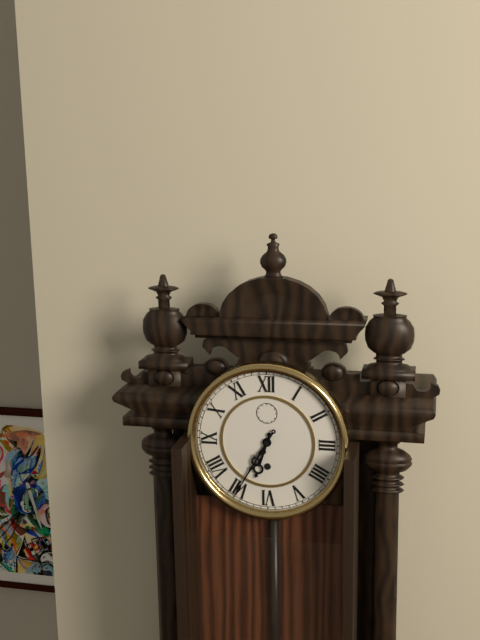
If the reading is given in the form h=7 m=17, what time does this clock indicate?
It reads h=6 m=35
